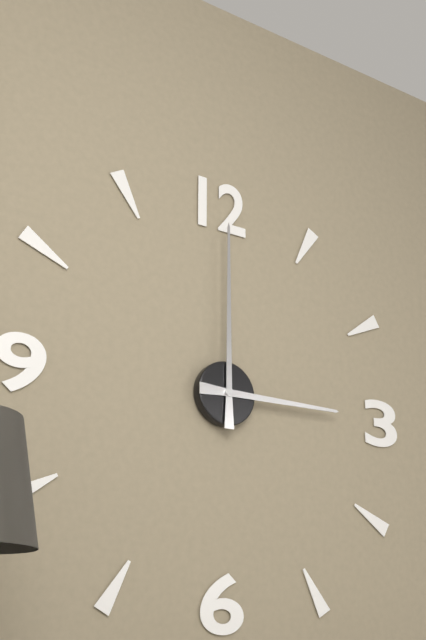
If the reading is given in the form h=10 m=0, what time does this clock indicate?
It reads h=3 m=0
